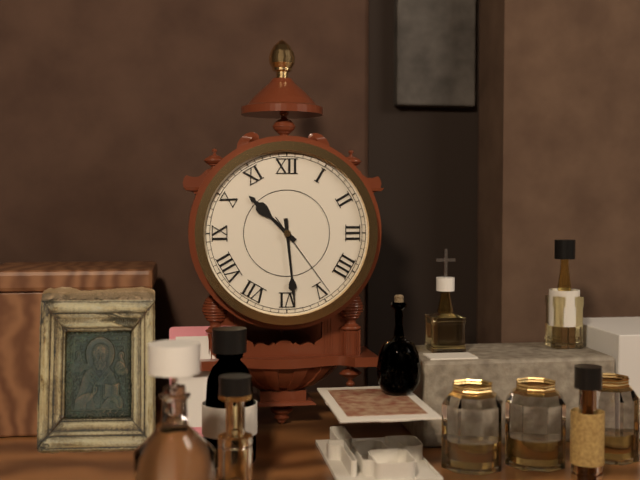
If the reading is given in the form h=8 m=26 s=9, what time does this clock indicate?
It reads h=10 m=29 s=24
